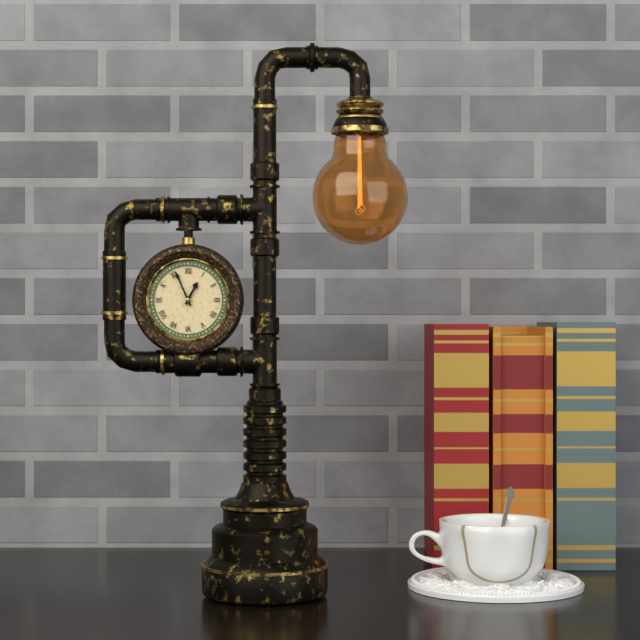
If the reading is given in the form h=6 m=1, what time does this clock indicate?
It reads h=12 m=56
